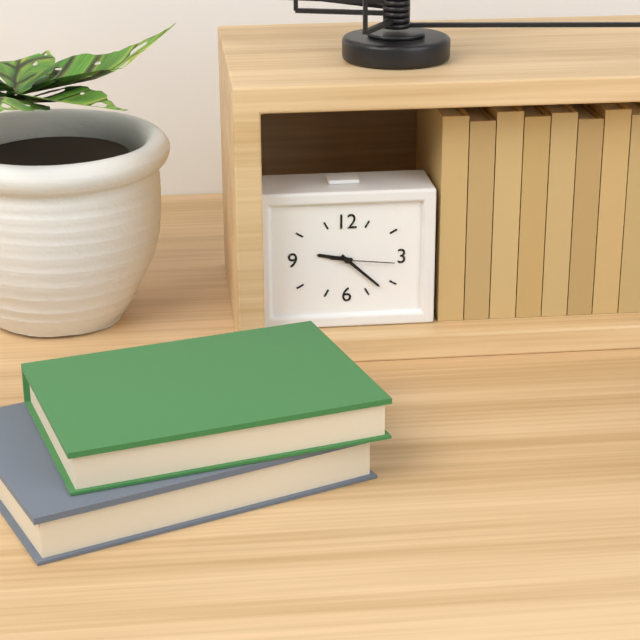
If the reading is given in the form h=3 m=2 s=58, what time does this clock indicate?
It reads h=9 m=22 s=16
